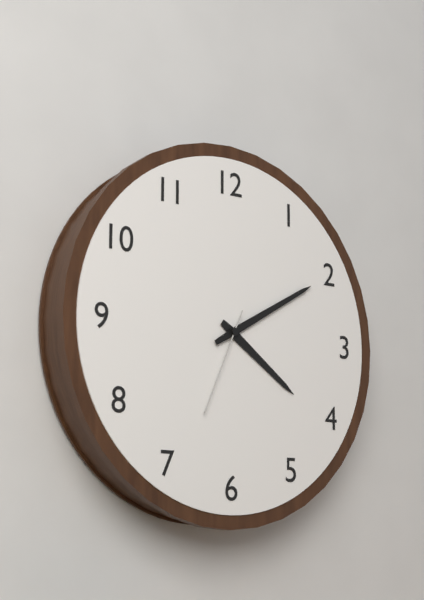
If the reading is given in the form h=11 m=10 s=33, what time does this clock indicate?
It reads h=4 m=10 s=34
